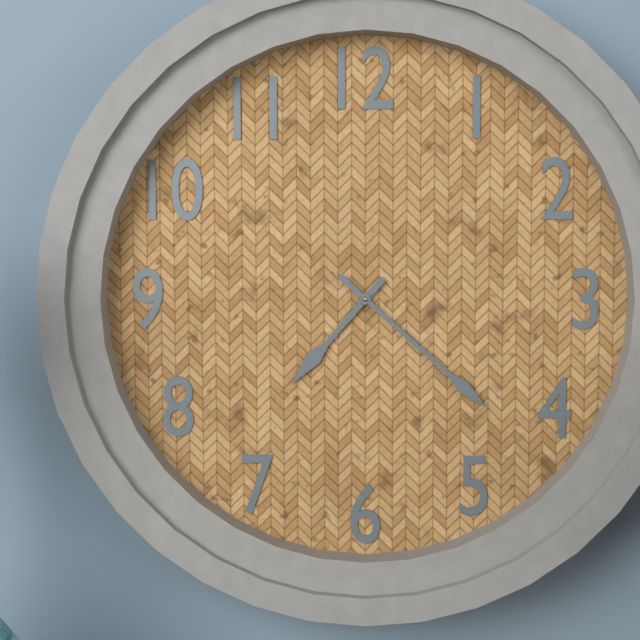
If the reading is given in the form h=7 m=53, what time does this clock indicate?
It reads h=7 m=22
